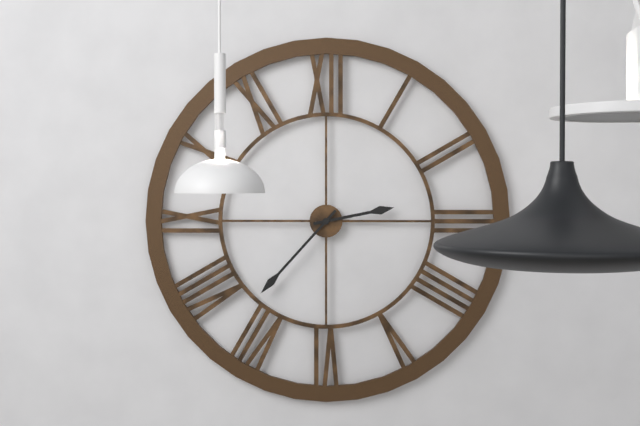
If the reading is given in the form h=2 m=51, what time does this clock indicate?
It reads h=2 m=37
